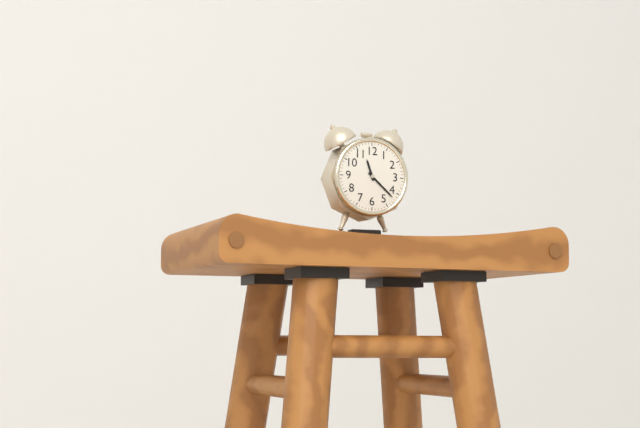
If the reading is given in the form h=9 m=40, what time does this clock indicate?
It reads h=11 m=22
